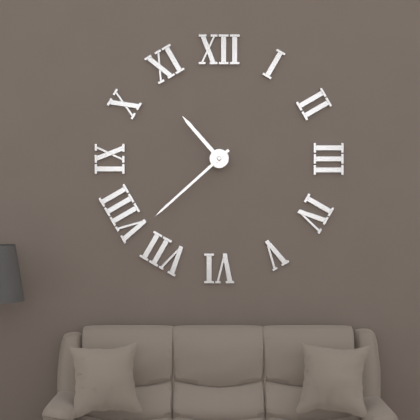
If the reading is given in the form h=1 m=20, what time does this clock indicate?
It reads h=10 m=38
